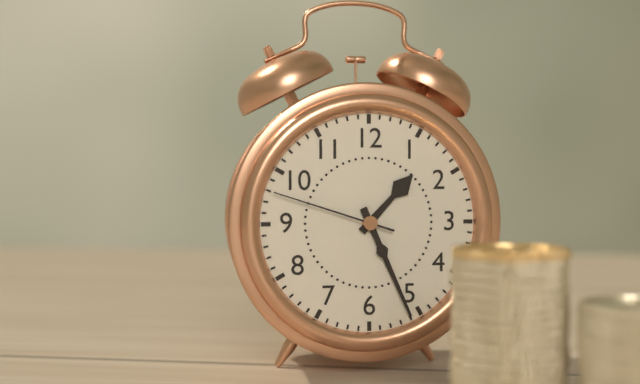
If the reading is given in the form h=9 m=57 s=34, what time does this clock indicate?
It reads h=1 m=26 s=48
